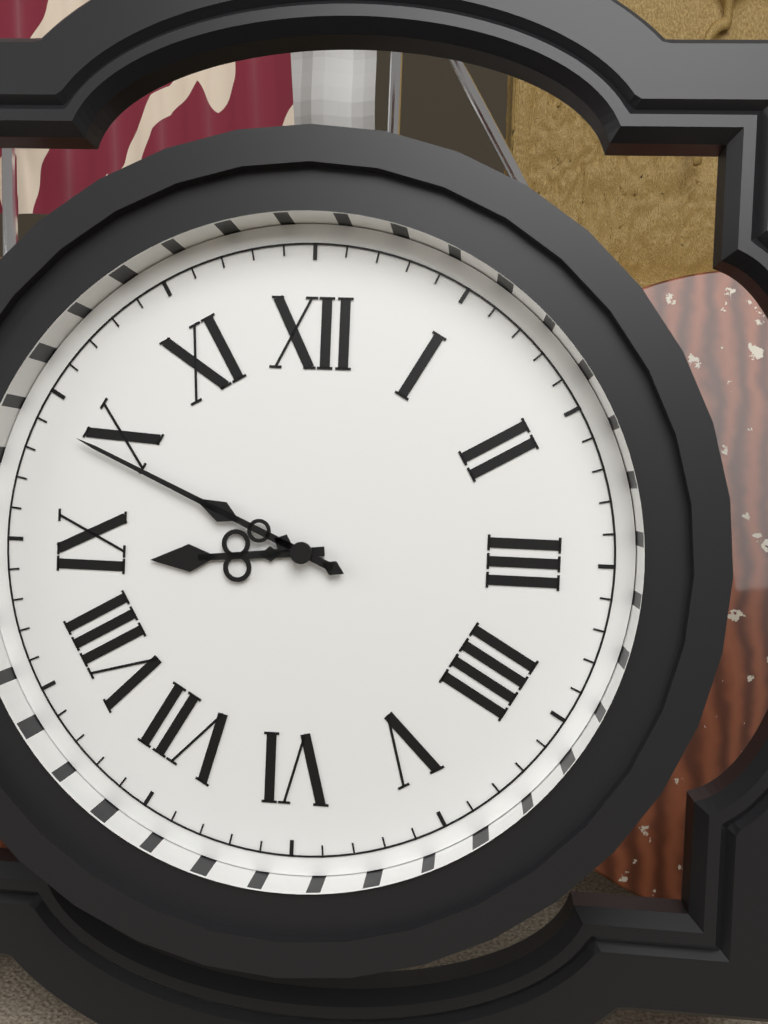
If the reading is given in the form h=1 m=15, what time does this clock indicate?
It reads h=8 m=49
